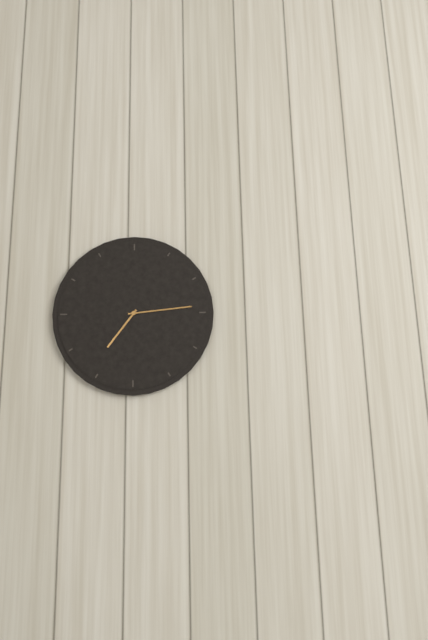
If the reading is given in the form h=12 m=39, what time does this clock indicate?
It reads h=7 m=14
